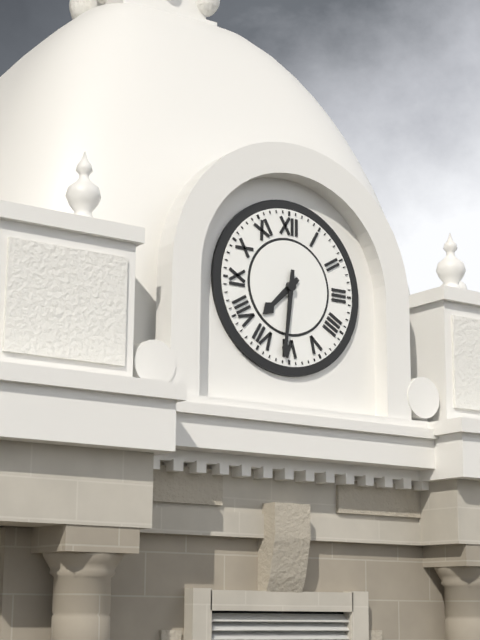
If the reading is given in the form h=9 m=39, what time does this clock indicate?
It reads h=7 m=31
